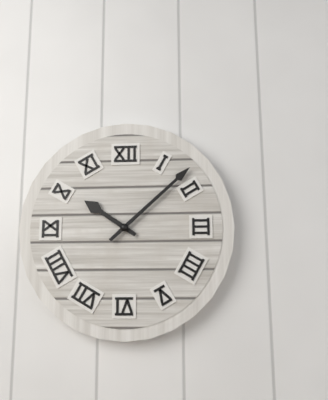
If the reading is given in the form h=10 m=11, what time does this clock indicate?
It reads h=10 m=8
